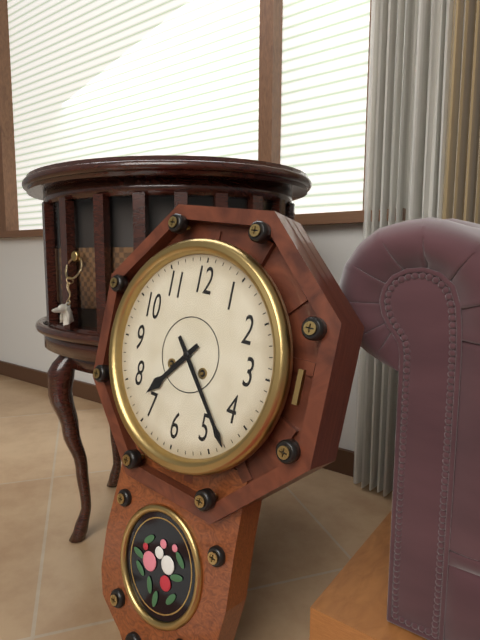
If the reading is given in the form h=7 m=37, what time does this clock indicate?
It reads h=7 m=23
